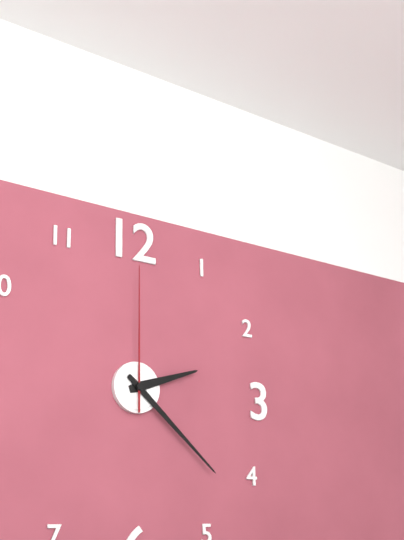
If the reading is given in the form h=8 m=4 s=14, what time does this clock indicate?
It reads h=2 m=22 s=0
